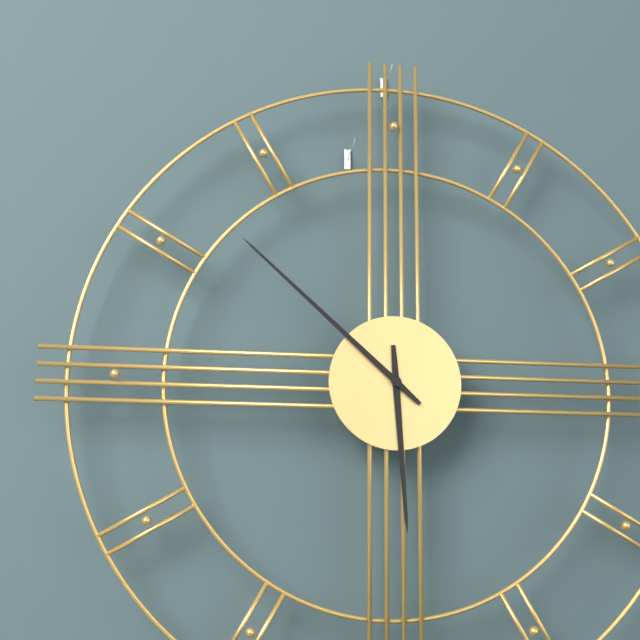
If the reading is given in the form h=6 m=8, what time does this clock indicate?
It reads h=5 m=52
